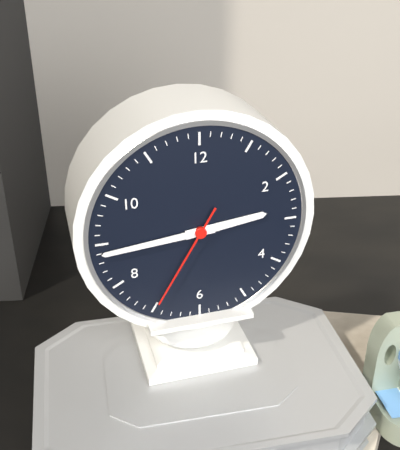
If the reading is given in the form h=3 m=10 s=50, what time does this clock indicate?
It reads h=2 m=44 s=35
